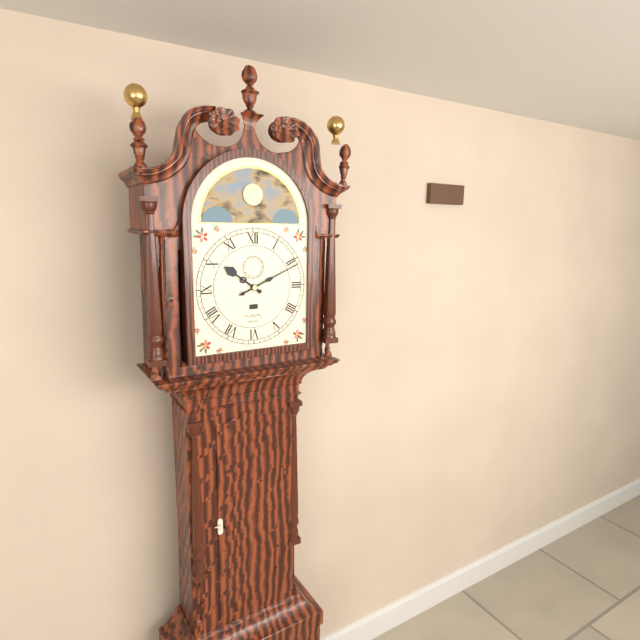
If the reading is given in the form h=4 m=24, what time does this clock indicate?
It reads h=10 m=11
